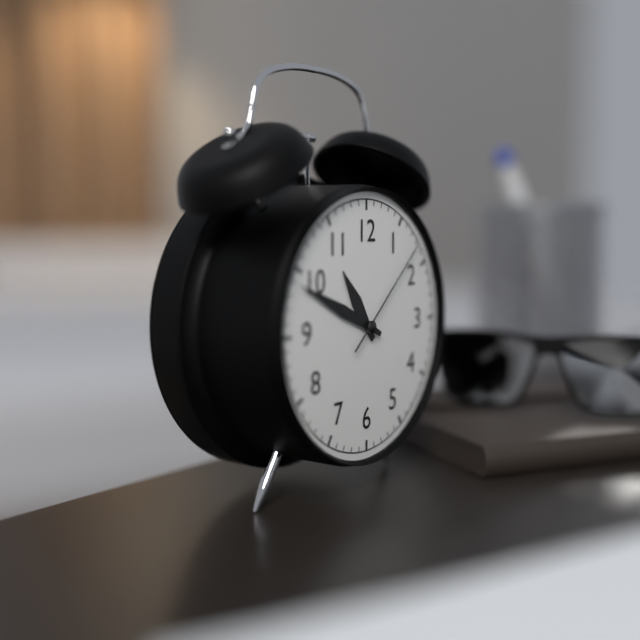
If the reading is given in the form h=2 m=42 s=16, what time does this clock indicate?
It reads h=10 m=49 s=8
